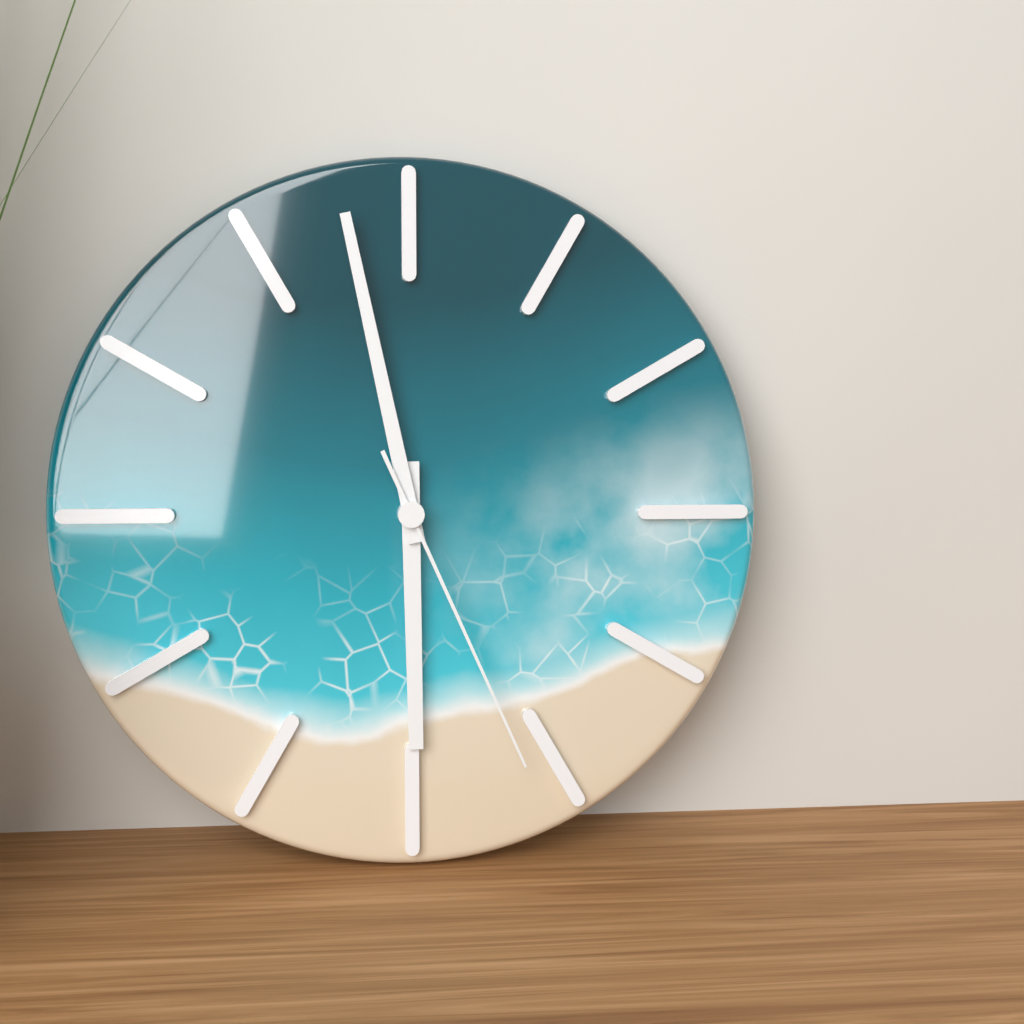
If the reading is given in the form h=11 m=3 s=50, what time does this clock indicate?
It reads h=5 m=58 s=26
